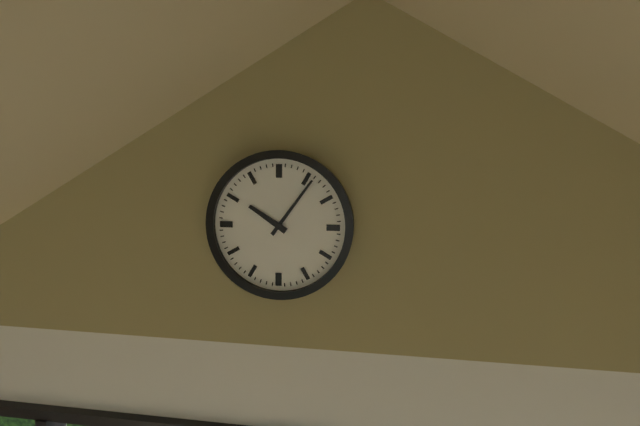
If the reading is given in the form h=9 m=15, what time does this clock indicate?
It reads h=10 m=6
